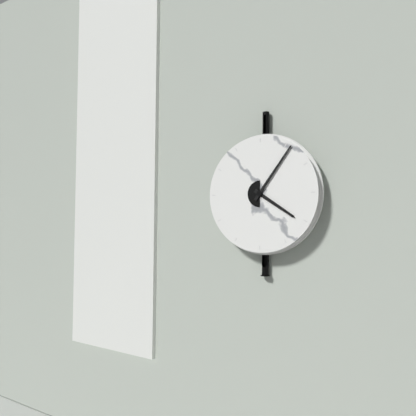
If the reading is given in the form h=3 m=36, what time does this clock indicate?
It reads h=4 m=6
